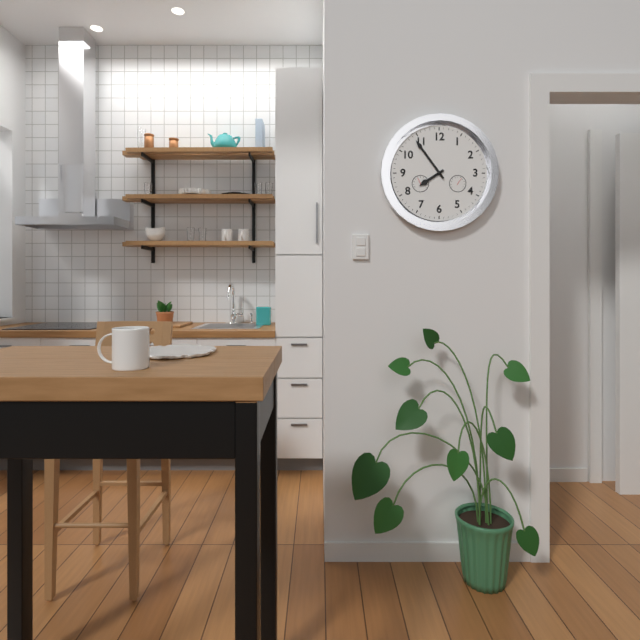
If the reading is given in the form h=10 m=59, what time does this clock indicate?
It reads h=7 m=54
